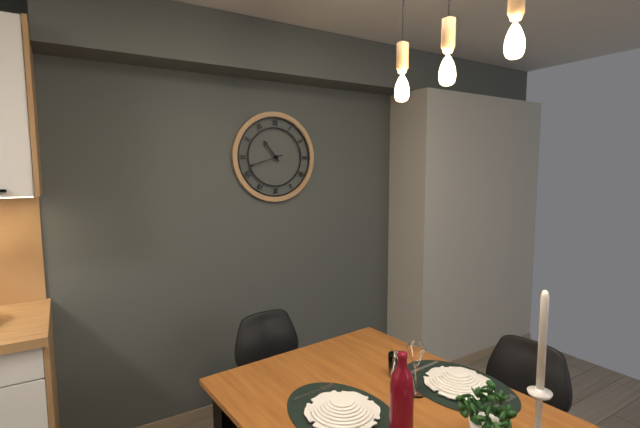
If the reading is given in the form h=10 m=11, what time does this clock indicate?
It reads h=10 m=42
